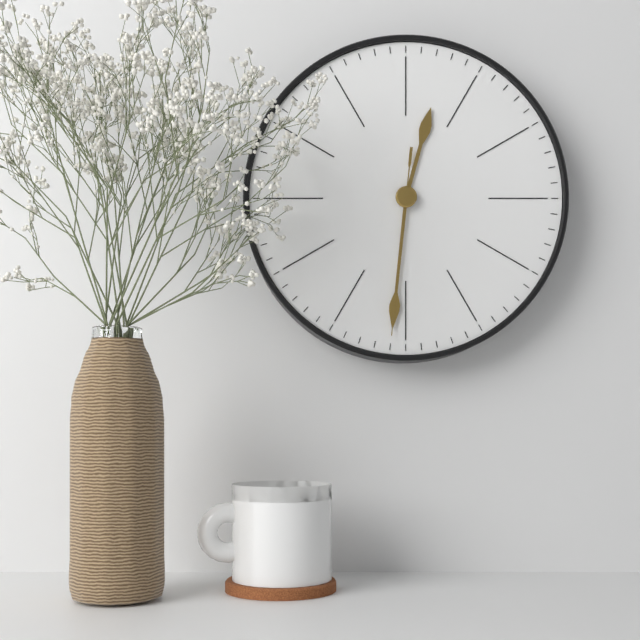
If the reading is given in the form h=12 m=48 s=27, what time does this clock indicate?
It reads h=12 m=31 s=31
